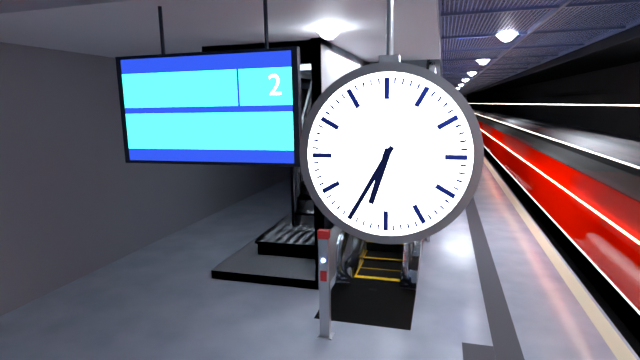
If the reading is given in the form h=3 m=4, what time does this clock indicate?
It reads h=6 m=35
